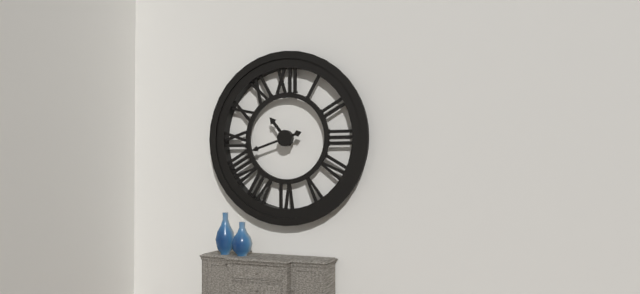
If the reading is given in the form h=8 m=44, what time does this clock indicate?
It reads h=10 m=42
